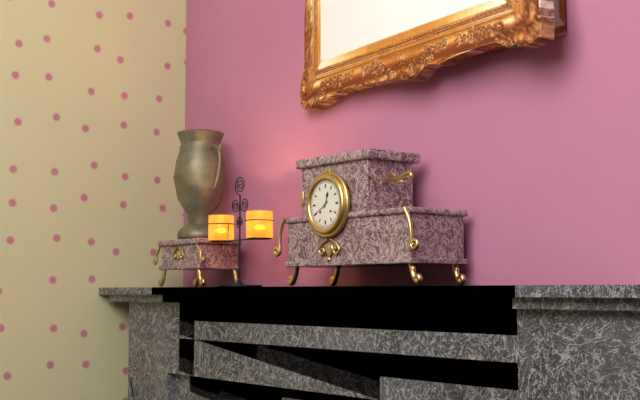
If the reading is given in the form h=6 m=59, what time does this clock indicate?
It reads h=12 m=40
